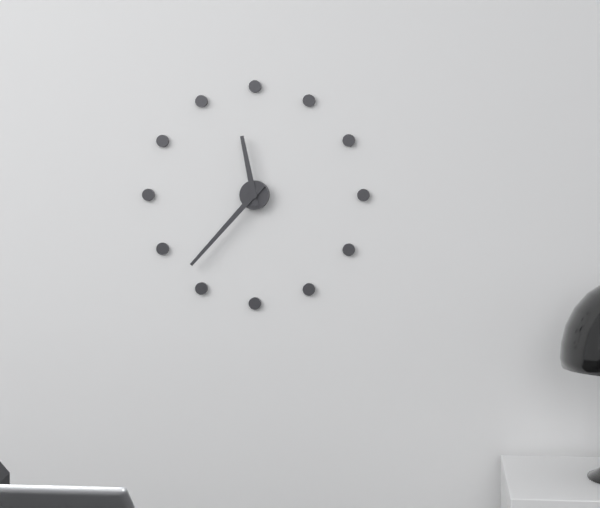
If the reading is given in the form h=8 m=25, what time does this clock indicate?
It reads h=11 m=37
